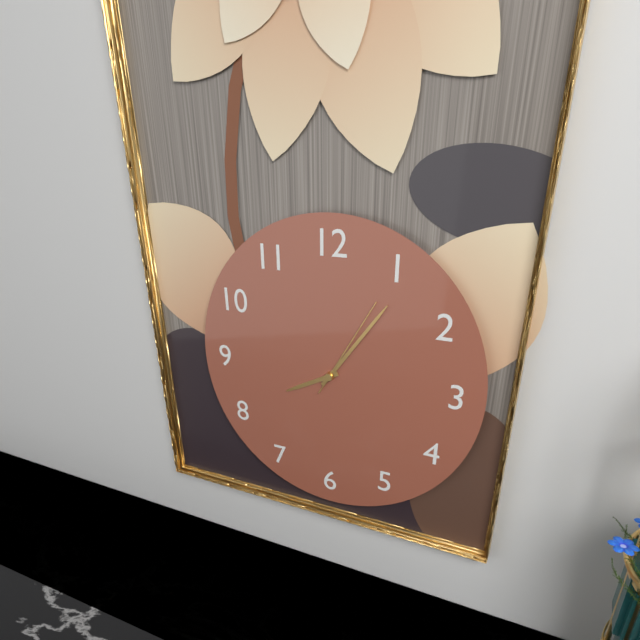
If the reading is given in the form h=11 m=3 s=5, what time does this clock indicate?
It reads h=8 m=6 s=5
